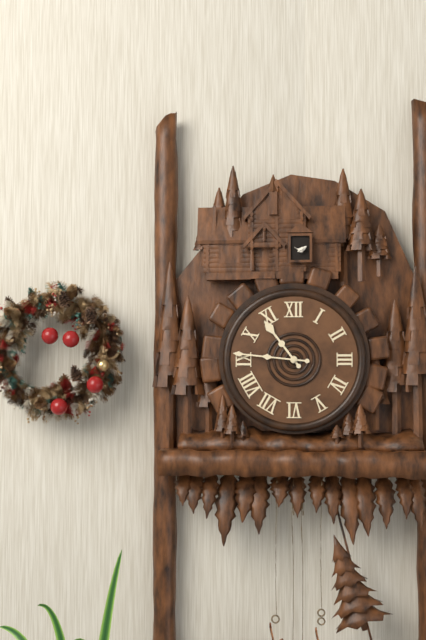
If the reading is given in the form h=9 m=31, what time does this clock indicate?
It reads h=10 m=46
